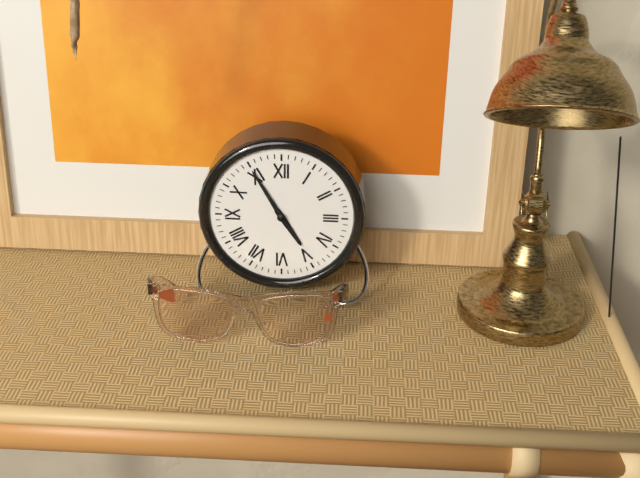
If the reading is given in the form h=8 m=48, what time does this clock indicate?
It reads h=4 m=55
